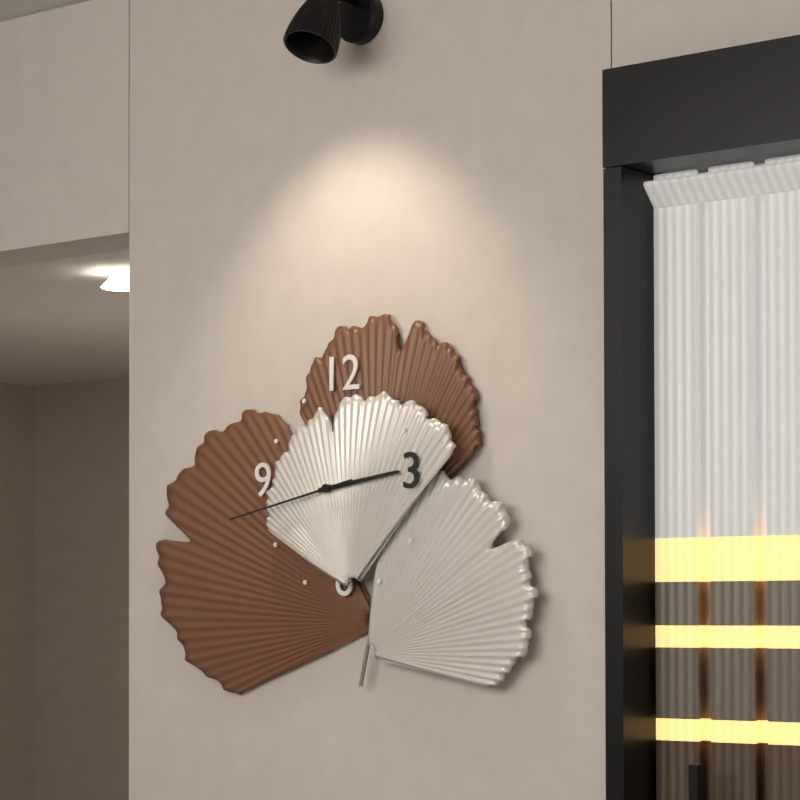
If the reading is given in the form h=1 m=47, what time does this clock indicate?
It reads h=2 m=43
